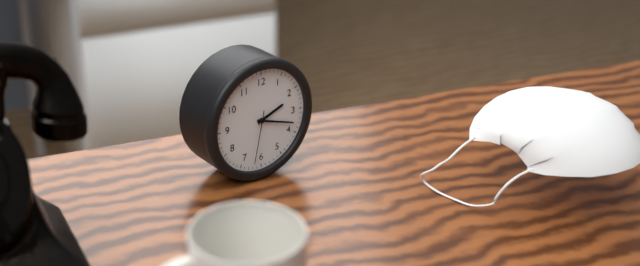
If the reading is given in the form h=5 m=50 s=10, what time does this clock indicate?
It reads h=2 m=18 s=32
